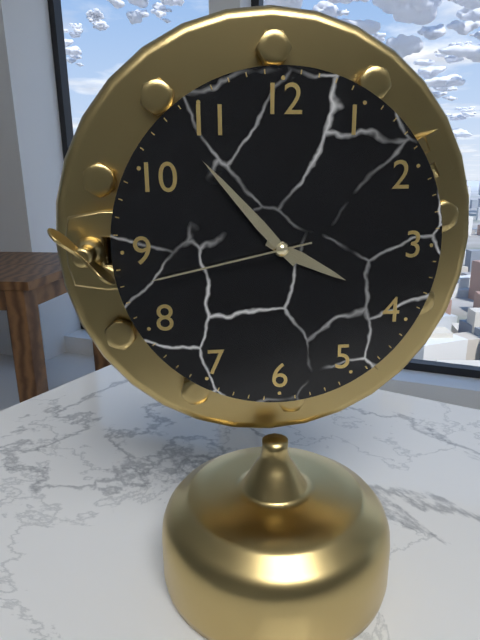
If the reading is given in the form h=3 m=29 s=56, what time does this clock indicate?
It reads h=3 m=53 s=43
